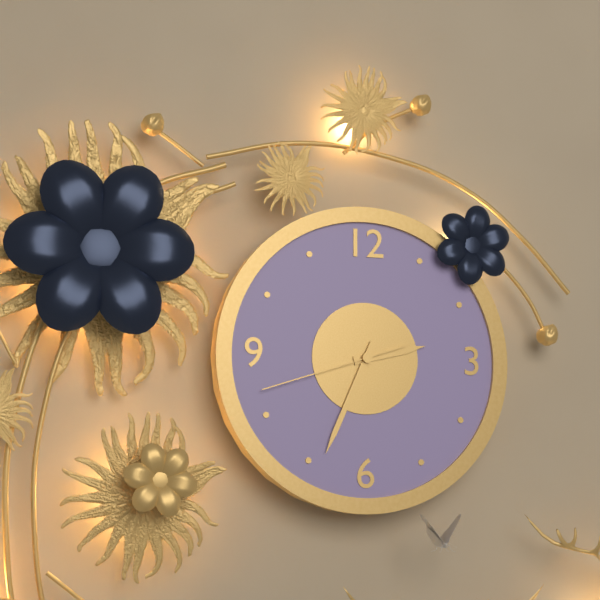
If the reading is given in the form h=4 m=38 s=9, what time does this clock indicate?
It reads h=2 m=34 s=42
